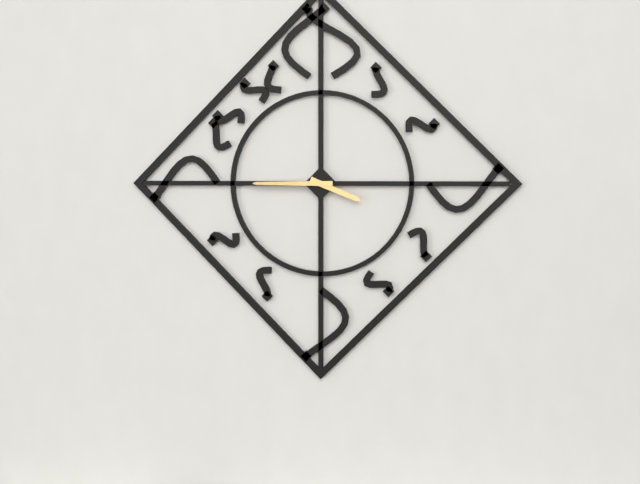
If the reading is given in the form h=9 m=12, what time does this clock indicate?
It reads h=3 m=45
